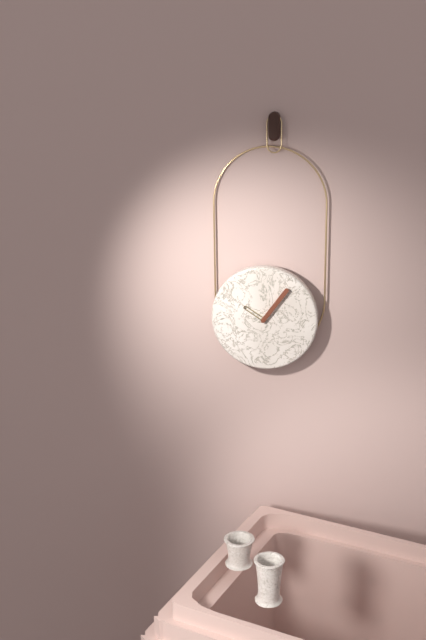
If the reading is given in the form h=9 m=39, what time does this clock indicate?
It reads h=10 m=6
